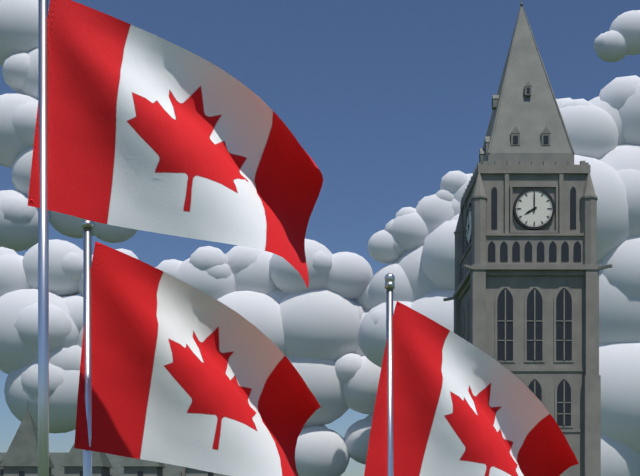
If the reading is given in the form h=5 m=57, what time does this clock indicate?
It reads h=8 m=0
